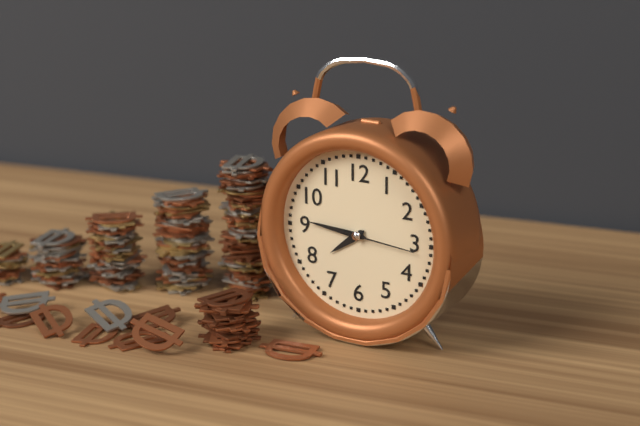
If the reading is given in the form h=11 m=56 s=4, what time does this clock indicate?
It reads h=7 m=46 s=16
